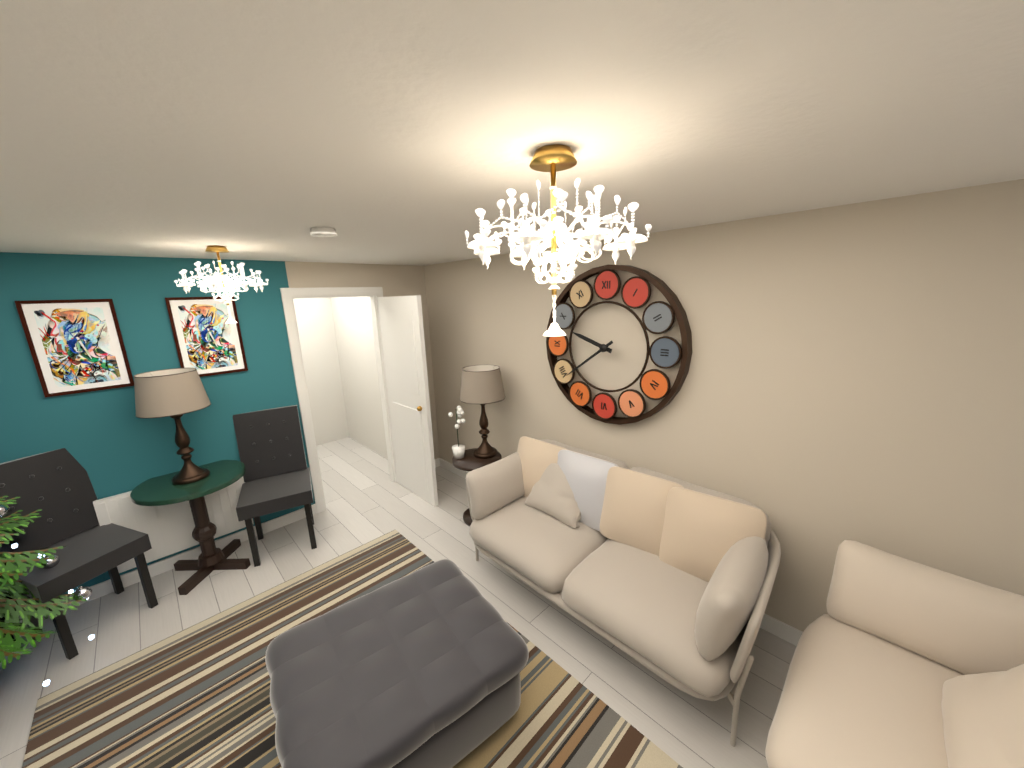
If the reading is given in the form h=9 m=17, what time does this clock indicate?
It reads h=9 m=39
